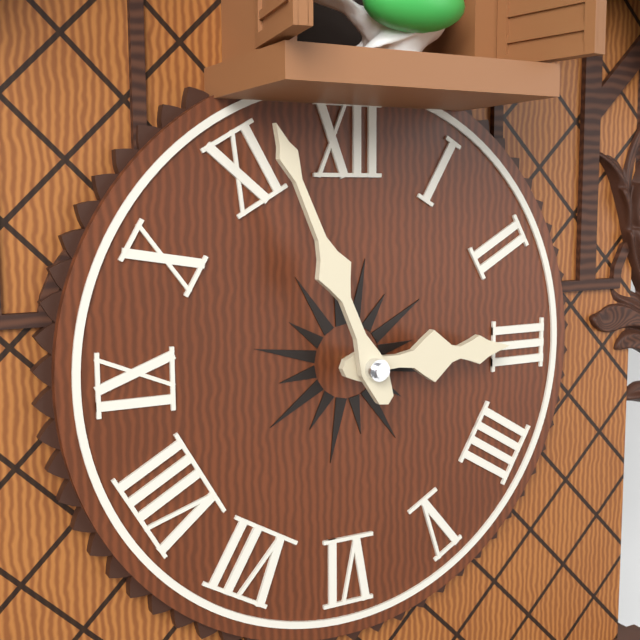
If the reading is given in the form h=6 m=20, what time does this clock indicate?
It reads h=2 m=56
